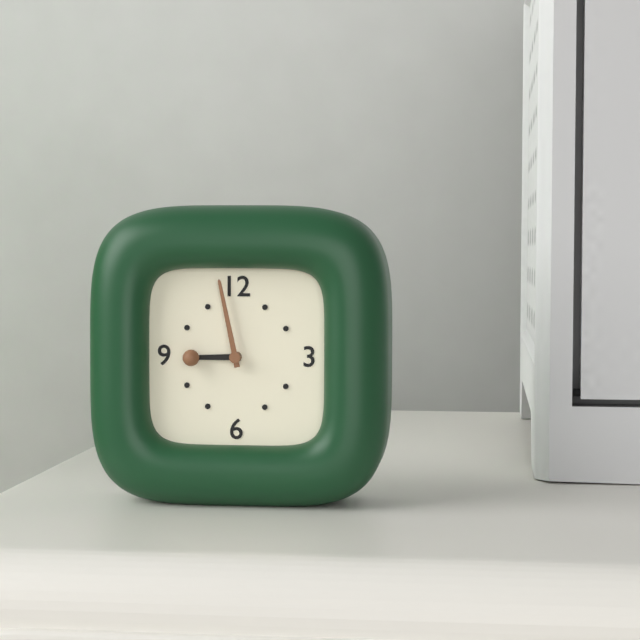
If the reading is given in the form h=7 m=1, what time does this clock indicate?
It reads h=8 m=58
